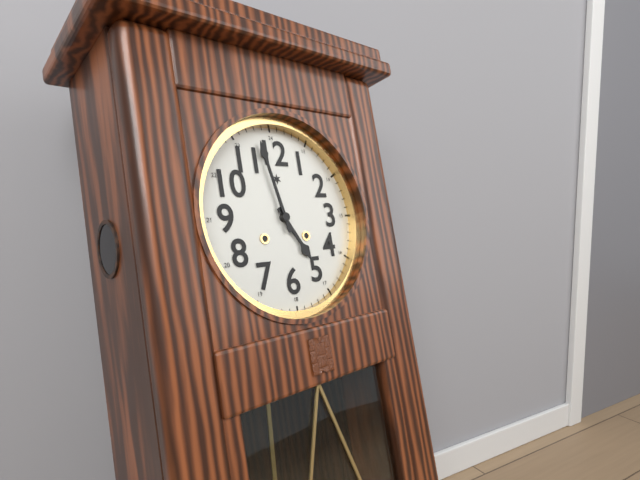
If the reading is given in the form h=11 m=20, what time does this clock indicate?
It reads h=4 m=58
